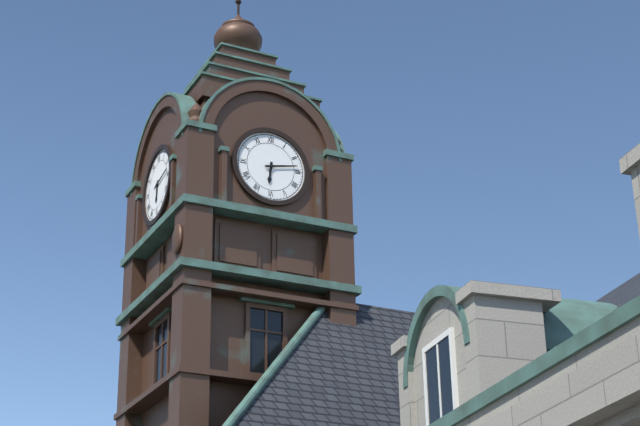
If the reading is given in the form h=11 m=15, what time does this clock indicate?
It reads h=6 m=13
